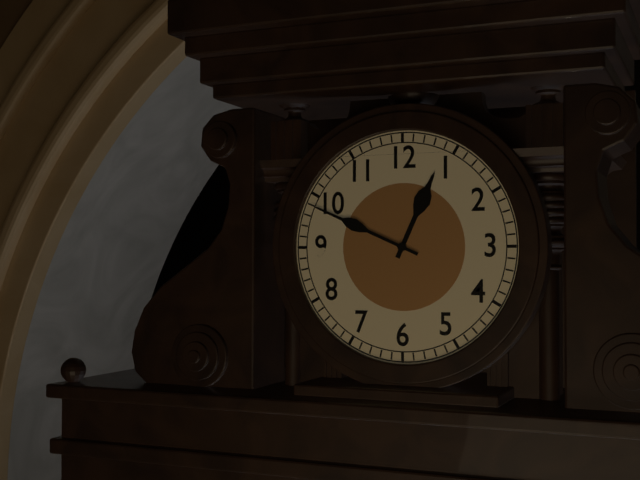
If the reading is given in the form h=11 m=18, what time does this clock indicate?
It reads h=12 m=49
